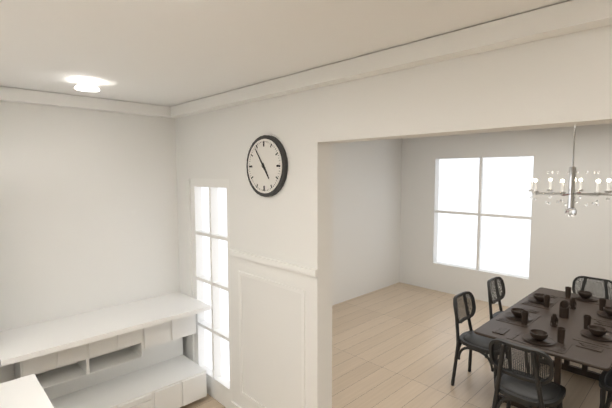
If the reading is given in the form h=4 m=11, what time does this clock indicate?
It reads h=4 m=54
